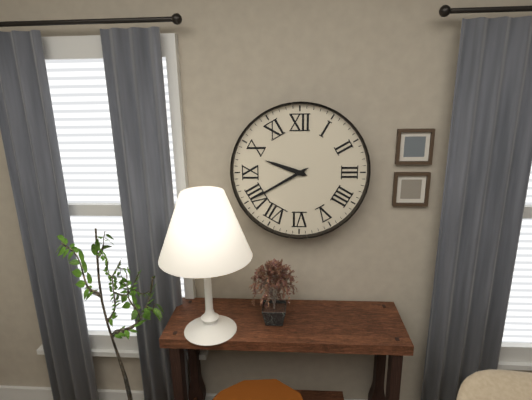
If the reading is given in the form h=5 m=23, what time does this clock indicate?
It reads h=9 m=40
